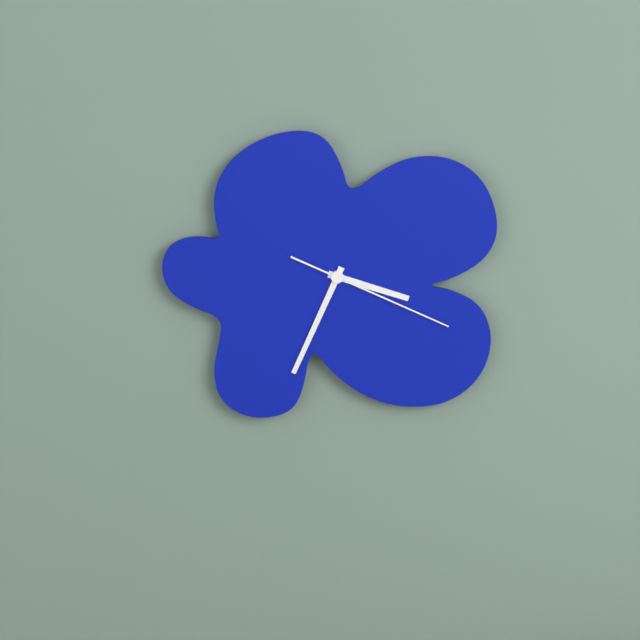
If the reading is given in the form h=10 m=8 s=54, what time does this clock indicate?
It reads h=3 m=34 s=19
